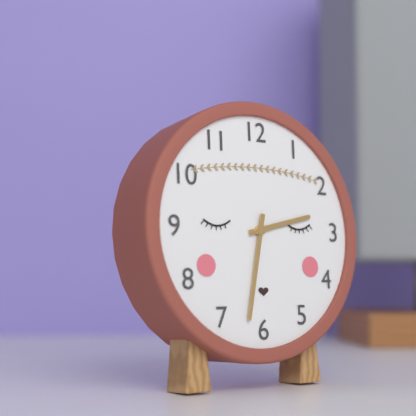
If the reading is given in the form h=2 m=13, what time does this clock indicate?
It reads h=2 m=32
